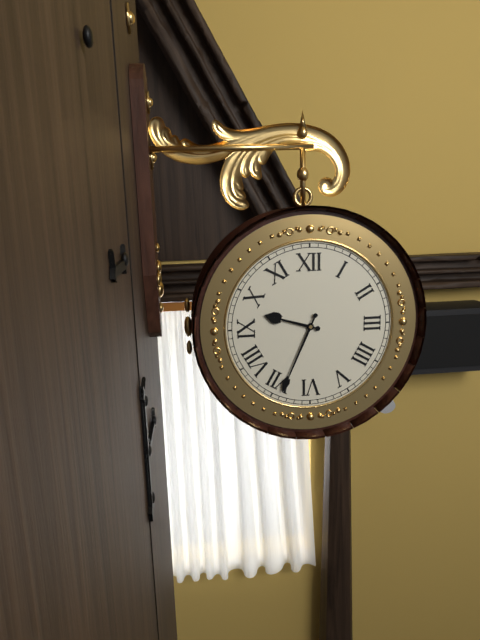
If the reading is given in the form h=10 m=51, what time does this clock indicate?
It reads h=9 m=34
